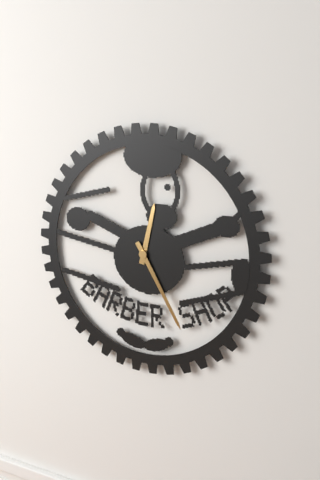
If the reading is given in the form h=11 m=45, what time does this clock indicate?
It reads h=12 m=25
